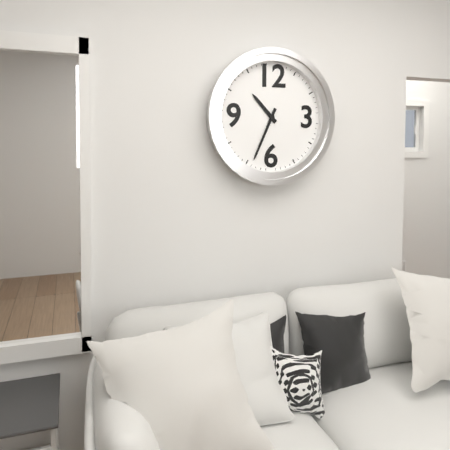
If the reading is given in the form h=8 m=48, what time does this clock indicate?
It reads h=10 m=34
